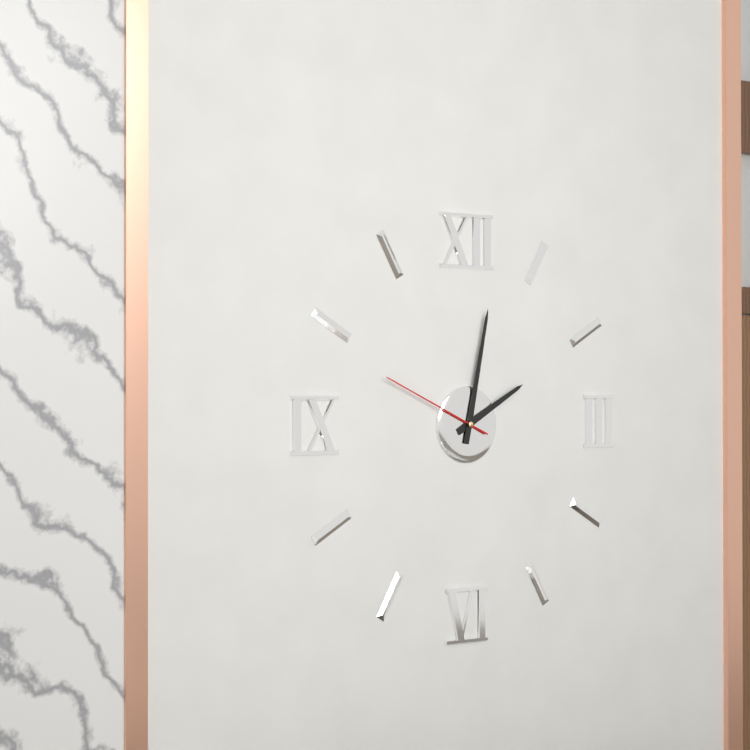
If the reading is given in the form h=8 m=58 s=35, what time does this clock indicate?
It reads h=2 m=2 s=49
